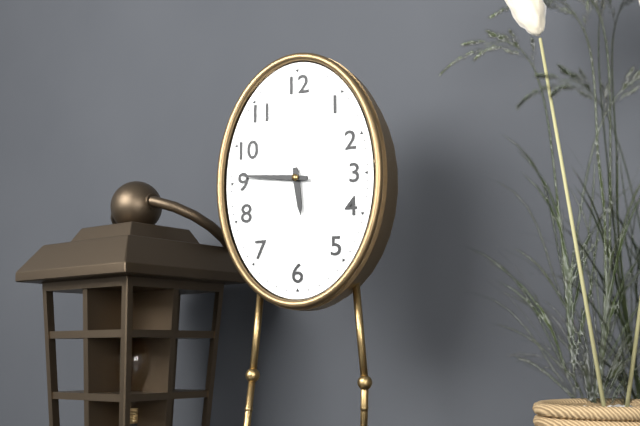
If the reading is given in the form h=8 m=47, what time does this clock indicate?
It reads h=5 m=46
